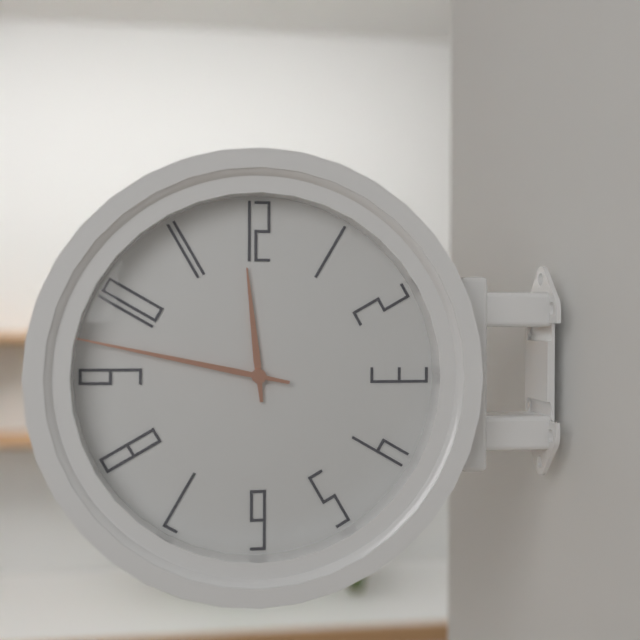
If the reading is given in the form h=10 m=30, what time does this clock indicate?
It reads h=11 m=47
